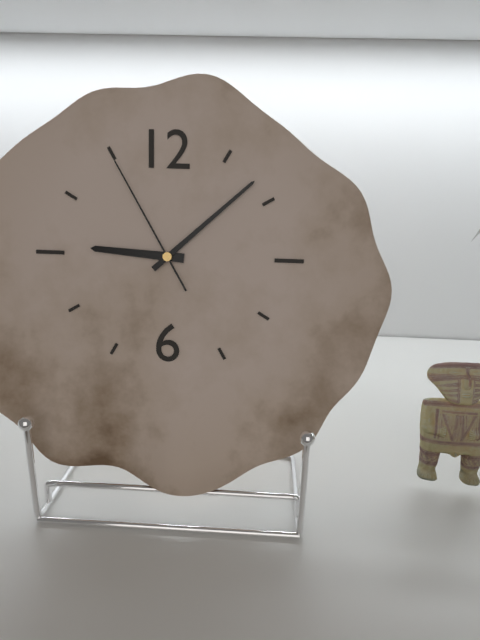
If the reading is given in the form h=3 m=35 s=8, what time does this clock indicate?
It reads h=9 m=8 s=55
